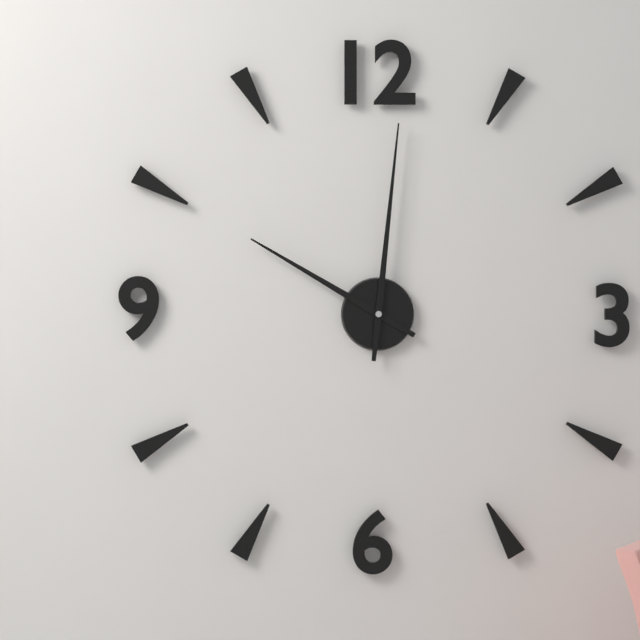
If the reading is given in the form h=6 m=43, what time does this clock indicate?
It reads h=10 m=1
